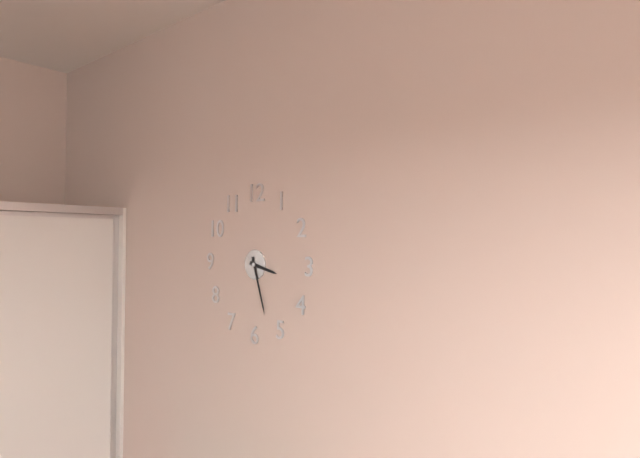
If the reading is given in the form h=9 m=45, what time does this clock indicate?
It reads h=3 m=27
